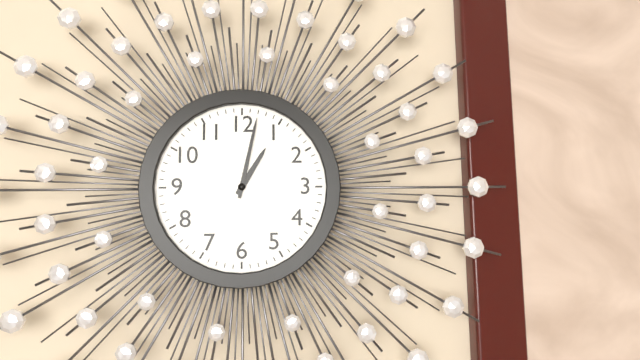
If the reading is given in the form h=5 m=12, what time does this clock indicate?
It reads h=1 m=2
